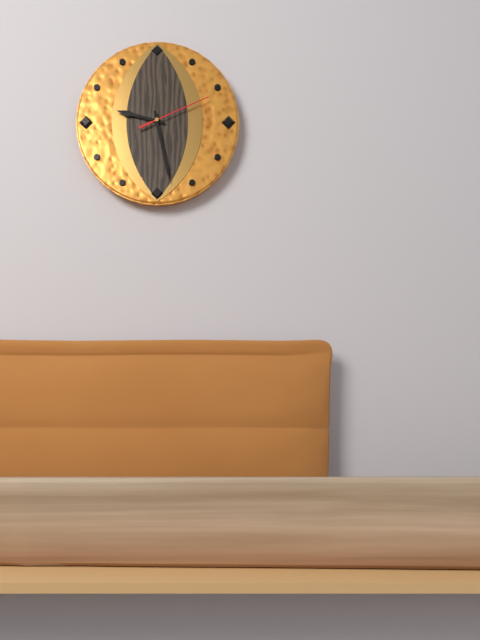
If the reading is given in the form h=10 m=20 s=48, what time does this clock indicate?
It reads h=9 m=28 s=11
